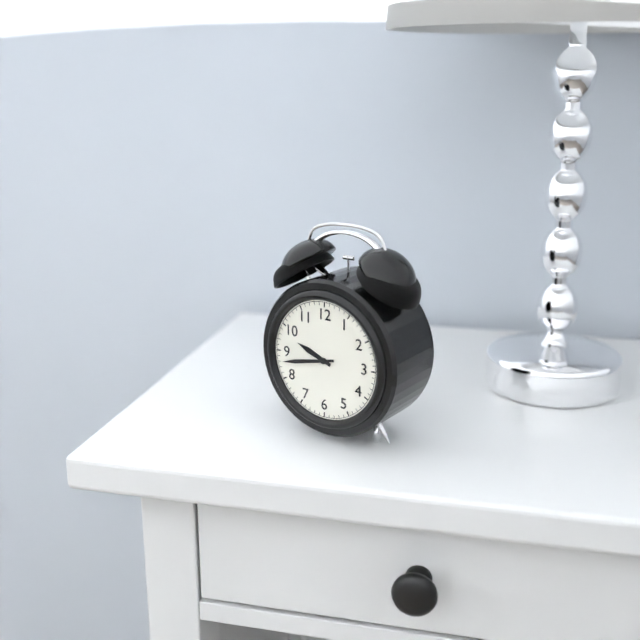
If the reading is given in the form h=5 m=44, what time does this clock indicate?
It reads h=9 m=43
